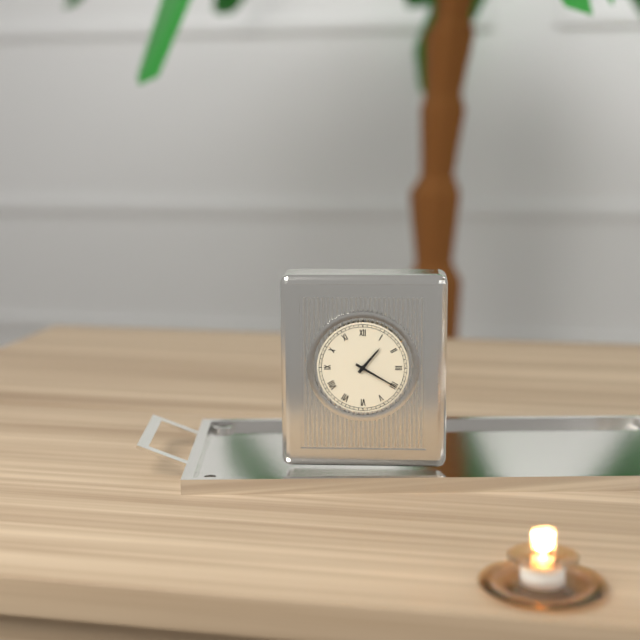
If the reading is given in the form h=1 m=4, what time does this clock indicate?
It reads h=1 m=20
